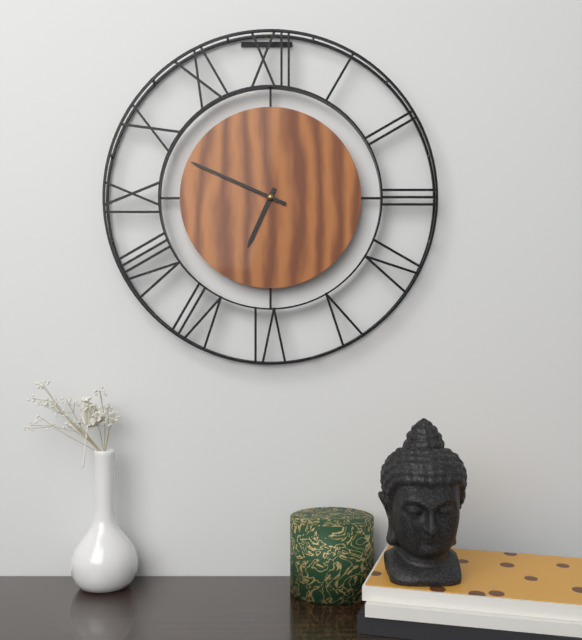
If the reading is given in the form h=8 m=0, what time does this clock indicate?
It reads h=6 m=49
